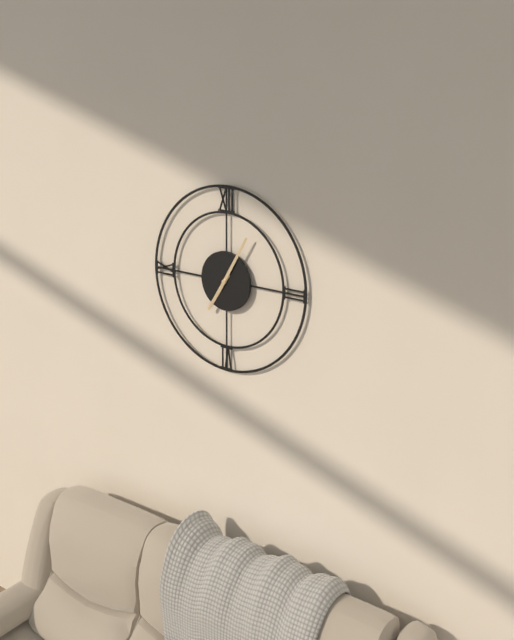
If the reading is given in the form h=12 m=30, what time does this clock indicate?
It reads h=7 m=5
